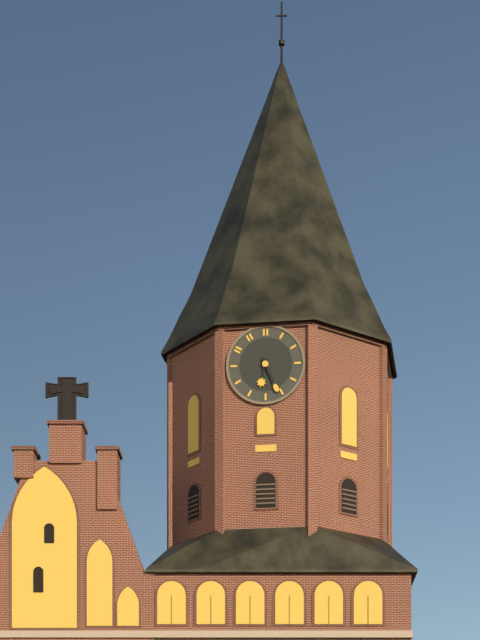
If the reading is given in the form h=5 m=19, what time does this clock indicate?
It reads h=6 m=26
